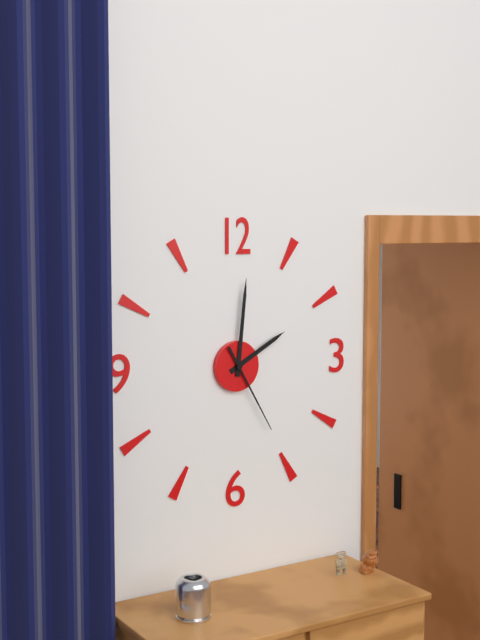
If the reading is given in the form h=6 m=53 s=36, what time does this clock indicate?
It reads h=2 m=1 s=25
